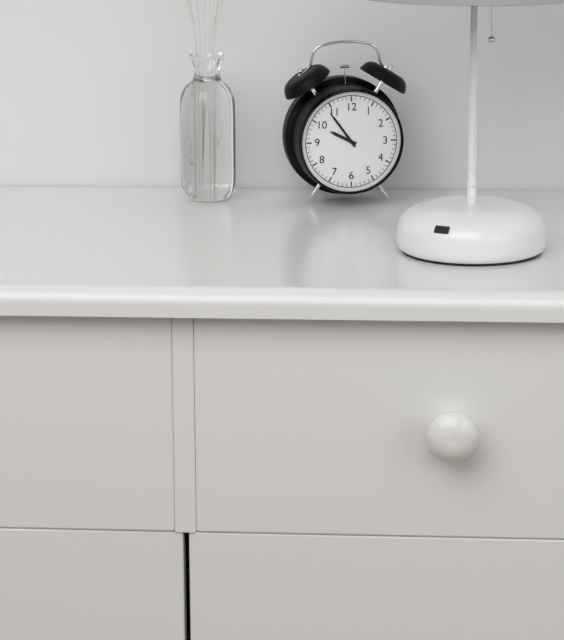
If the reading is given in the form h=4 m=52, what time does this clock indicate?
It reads h=9 m=54
